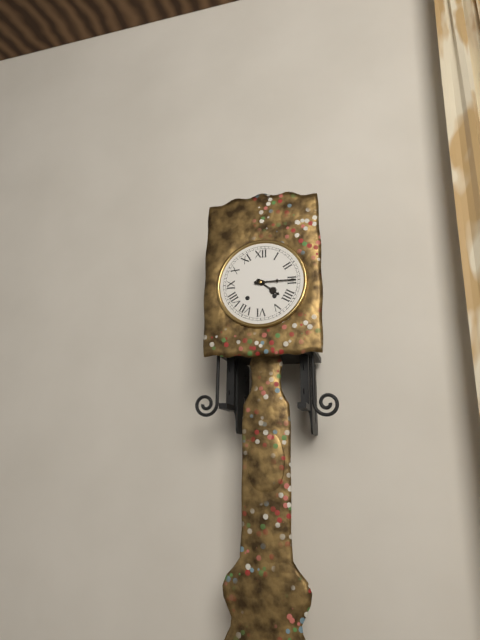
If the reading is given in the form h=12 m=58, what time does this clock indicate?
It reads h=4 m=15
